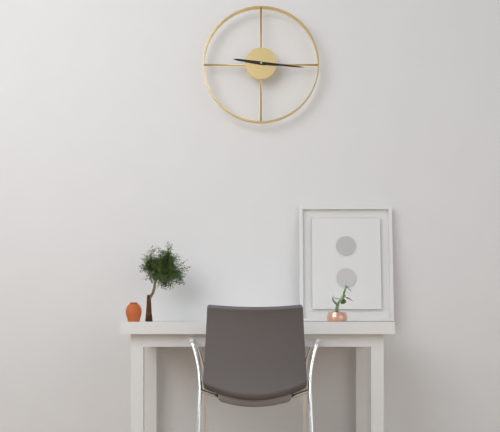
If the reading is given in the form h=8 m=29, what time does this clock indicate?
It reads h=9 m=16
